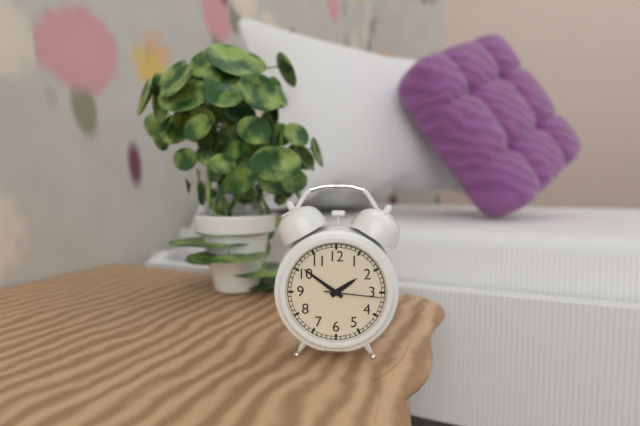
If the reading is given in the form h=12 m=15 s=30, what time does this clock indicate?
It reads h=1 m=51 s=16
